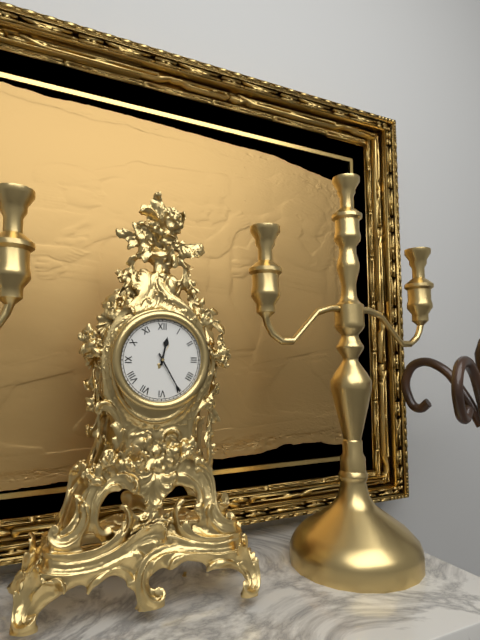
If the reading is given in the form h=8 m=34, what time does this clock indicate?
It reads h=12 m=25
